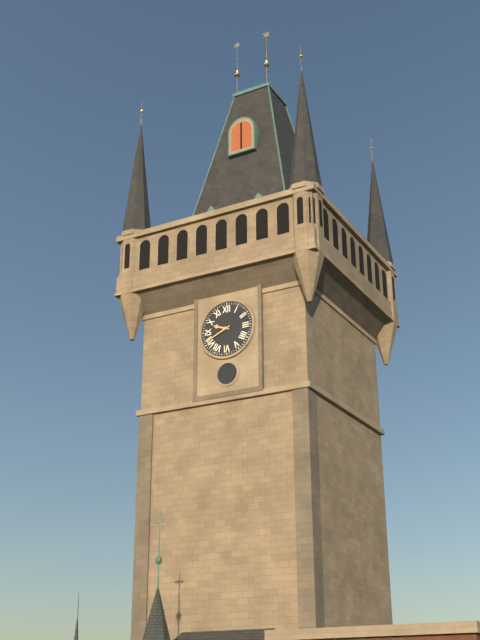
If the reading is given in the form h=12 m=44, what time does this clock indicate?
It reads h=9 m=41
